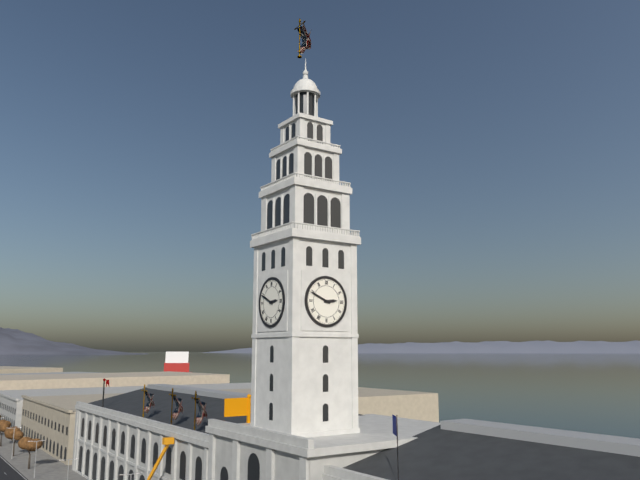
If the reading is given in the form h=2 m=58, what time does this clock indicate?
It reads h=2 m=49
